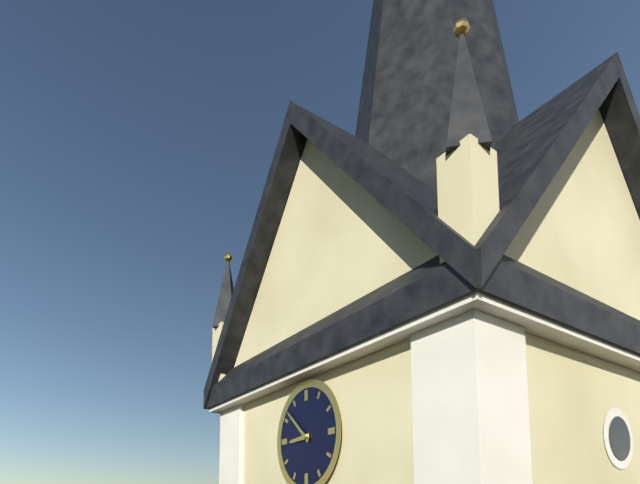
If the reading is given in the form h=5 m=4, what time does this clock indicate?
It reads h=8 m=52
